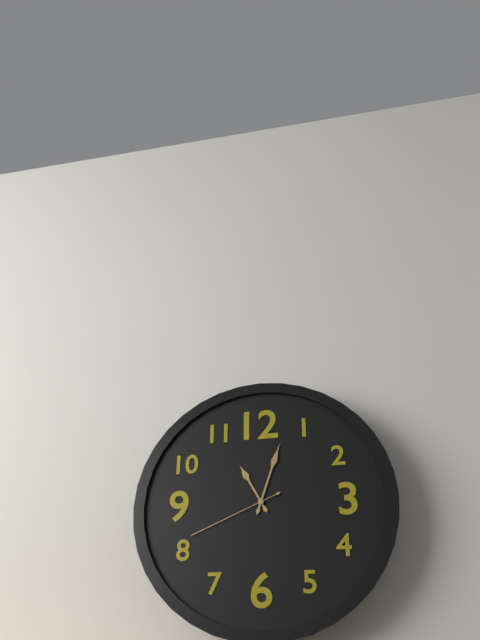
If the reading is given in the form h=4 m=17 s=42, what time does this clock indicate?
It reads h=11 m=3 s=41
